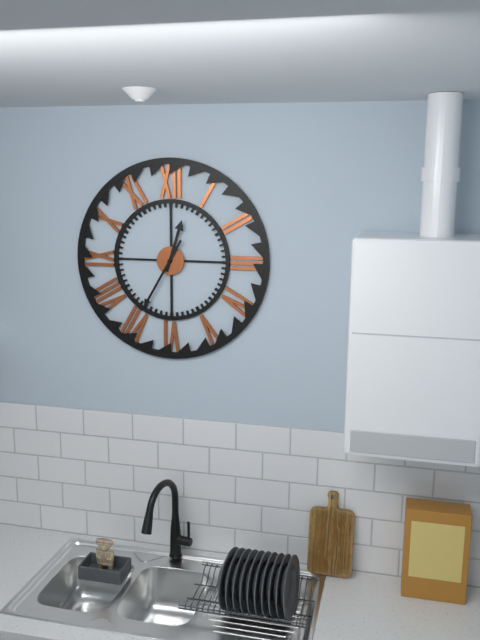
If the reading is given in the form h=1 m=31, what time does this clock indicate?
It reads h=12 m=35
